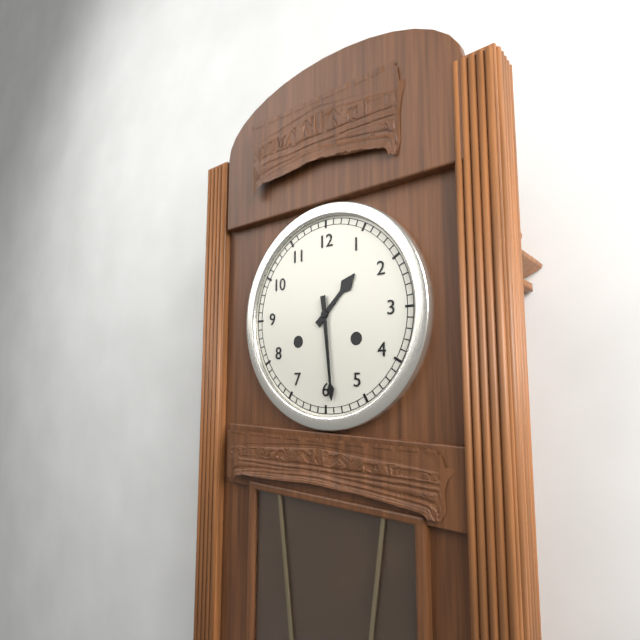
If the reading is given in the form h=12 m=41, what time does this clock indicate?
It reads h=1 m=29
